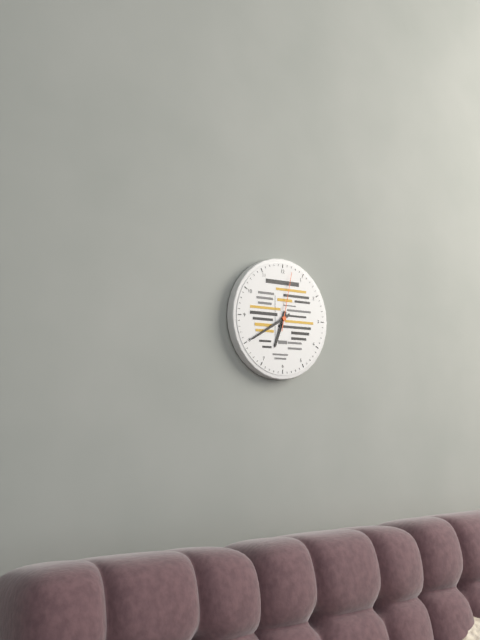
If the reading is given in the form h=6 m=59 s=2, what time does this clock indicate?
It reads h=6 m=40 s=2
